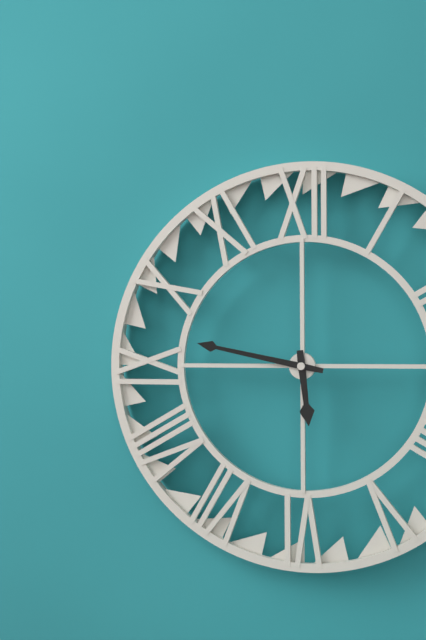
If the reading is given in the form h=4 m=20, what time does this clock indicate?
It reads h=5 m=47
